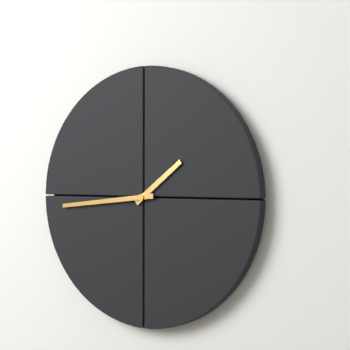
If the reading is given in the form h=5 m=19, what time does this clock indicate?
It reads h=1 m=44
